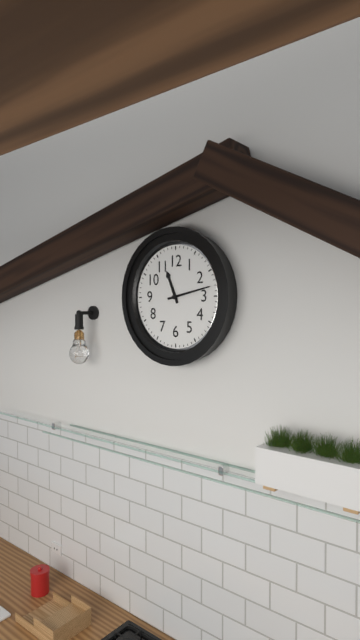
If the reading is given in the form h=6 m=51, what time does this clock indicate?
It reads h=11 m=13
